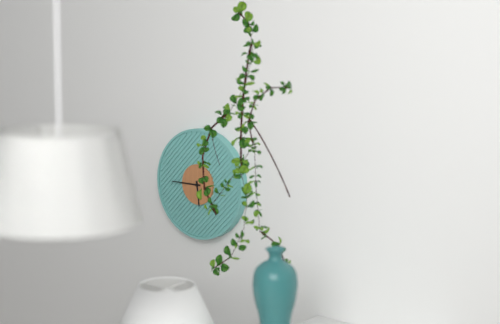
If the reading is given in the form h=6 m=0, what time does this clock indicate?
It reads h=5 m=45
